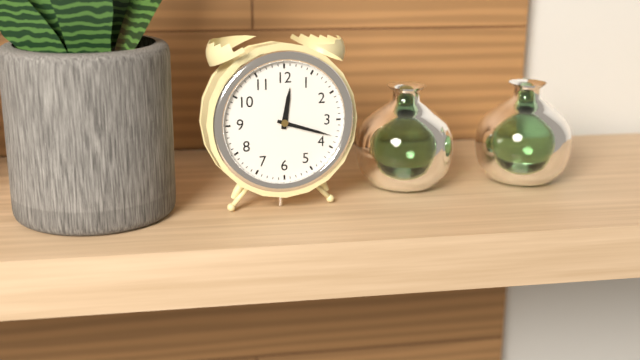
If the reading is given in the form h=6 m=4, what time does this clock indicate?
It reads h=12 m=18
